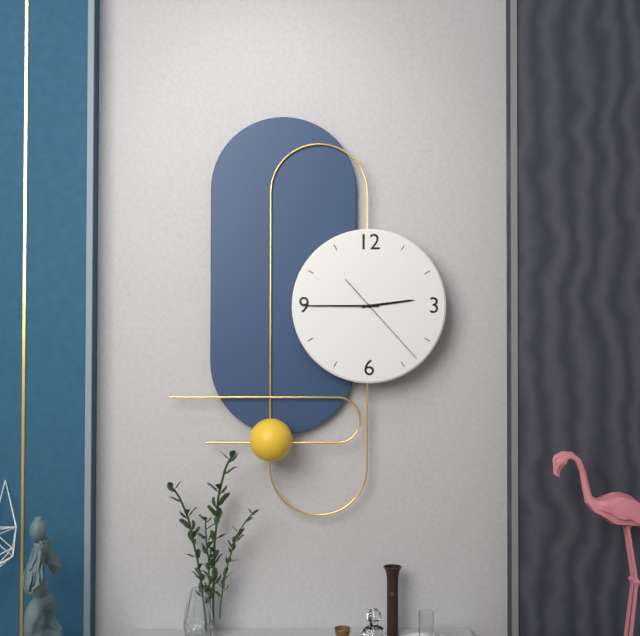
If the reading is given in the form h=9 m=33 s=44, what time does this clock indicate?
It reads h=2 m=45 s=23
